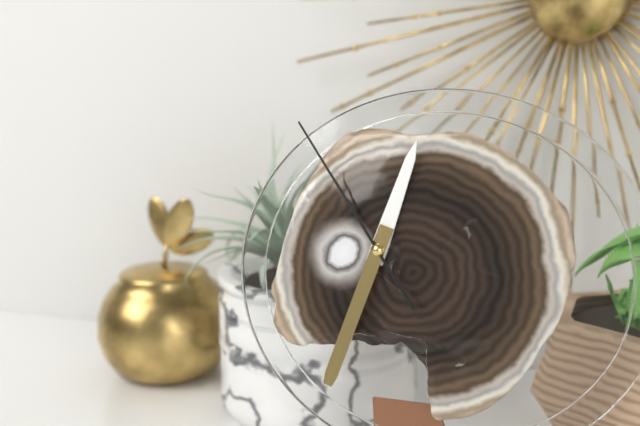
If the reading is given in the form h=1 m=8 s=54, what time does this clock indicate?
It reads h=12 m=33 s=54
